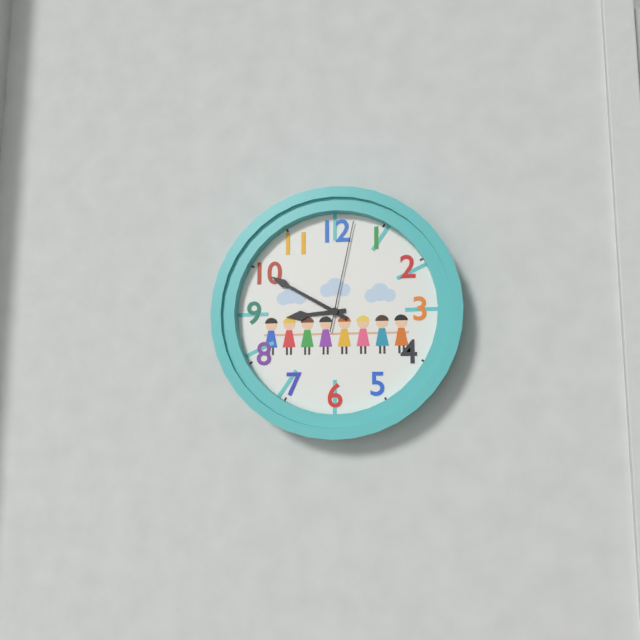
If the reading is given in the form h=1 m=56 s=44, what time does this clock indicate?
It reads h=8 m=50 s=2
